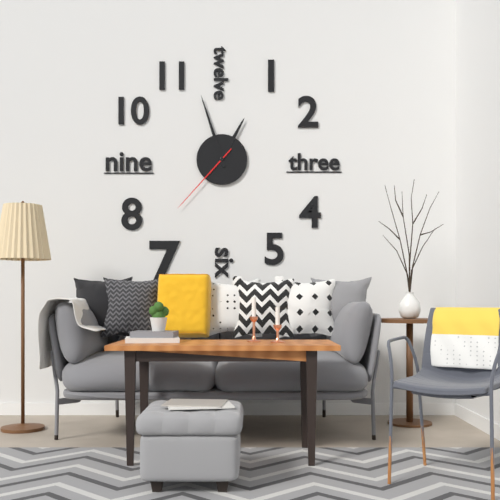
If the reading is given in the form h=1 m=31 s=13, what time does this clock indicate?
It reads h=12 m=57 s=37
